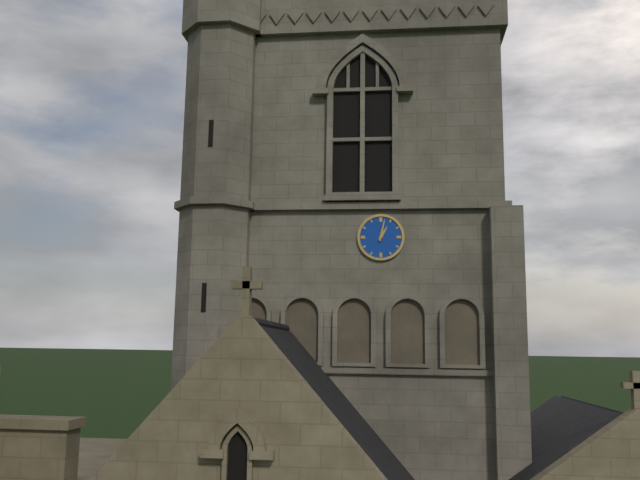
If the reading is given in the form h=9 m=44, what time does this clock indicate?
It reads h=1 m=2
